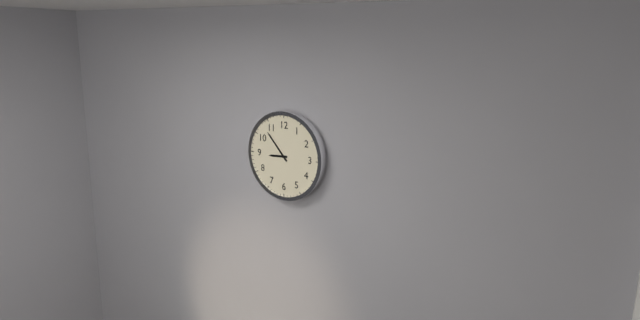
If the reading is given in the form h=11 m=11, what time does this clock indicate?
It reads h=8 m=53
